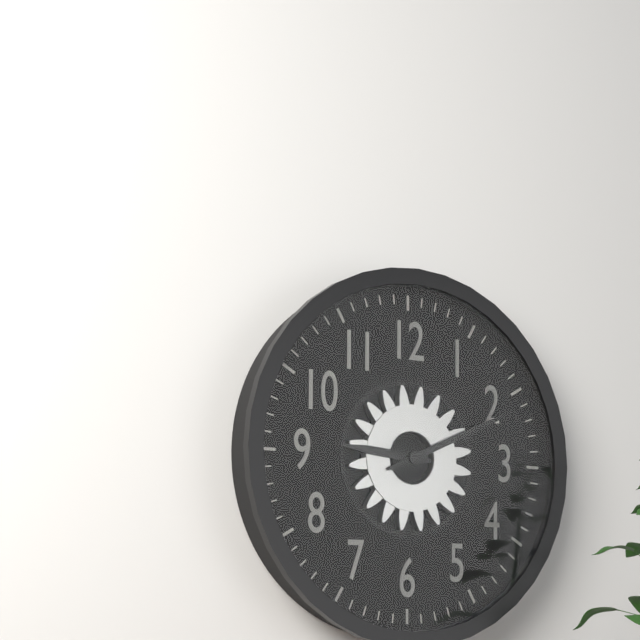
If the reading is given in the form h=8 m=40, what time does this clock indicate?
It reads h=9 m=11
